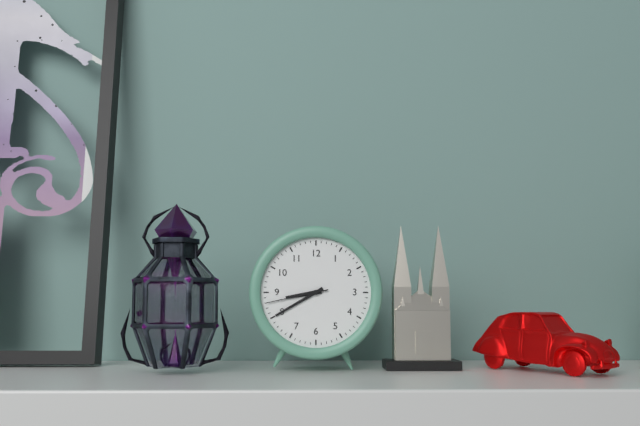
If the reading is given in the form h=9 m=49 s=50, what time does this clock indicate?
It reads h=8 m=40 s=43
